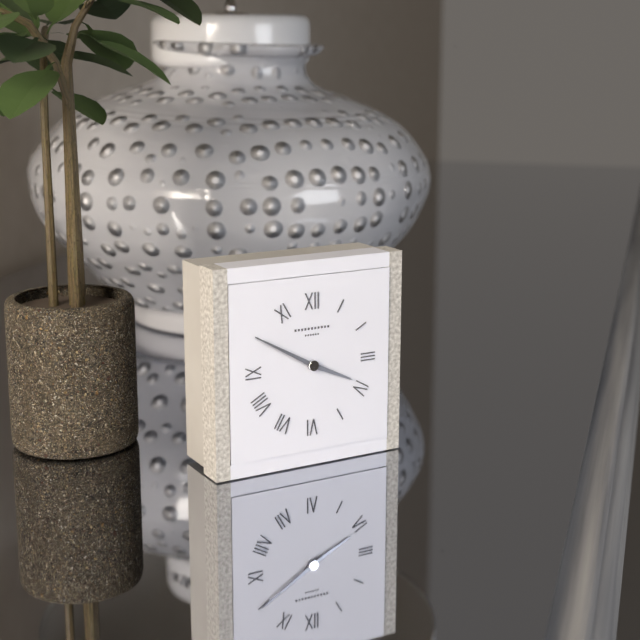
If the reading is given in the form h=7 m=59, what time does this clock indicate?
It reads h=3 m=50
